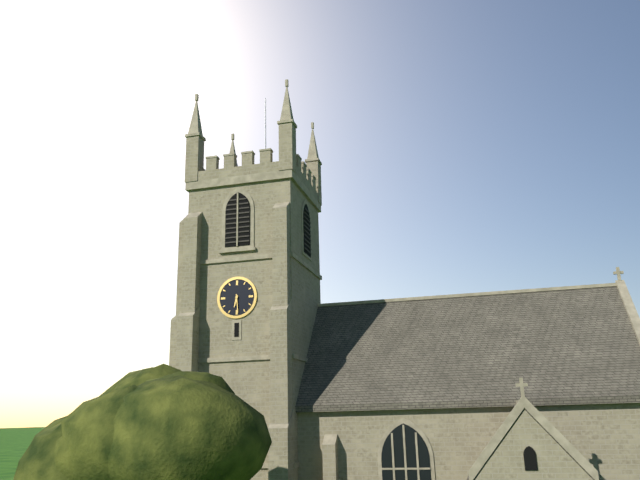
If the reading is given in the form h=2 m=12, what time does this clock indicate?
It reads h=6 m=29
